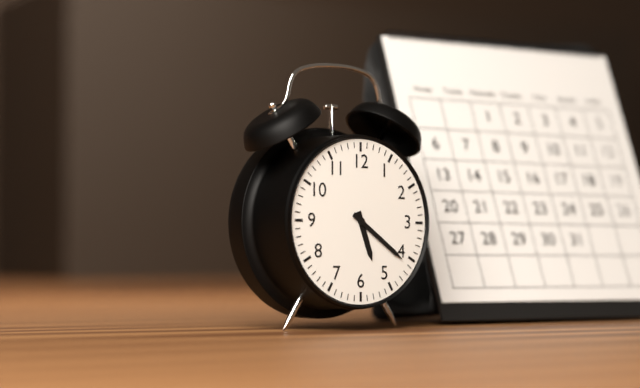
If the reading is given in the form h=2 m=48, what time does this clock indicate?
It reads h=5 m=21
